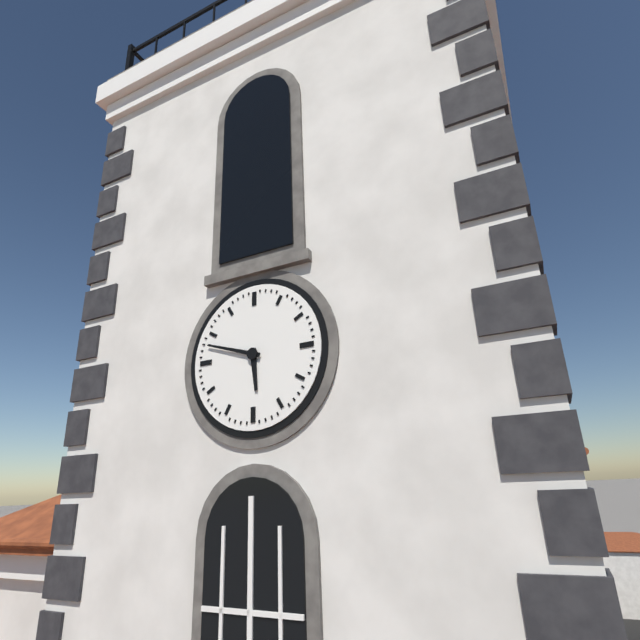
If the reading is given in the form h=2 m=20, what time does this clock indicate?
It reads h=5 m=48
